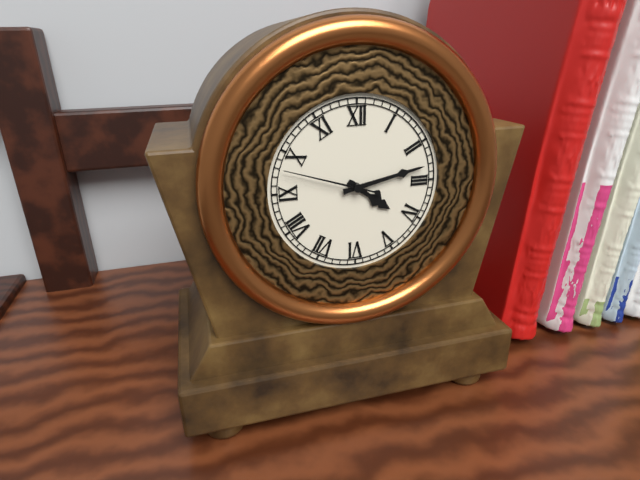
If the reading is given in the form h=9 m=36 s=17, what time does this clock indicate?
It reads h=4 m=13 s=48
